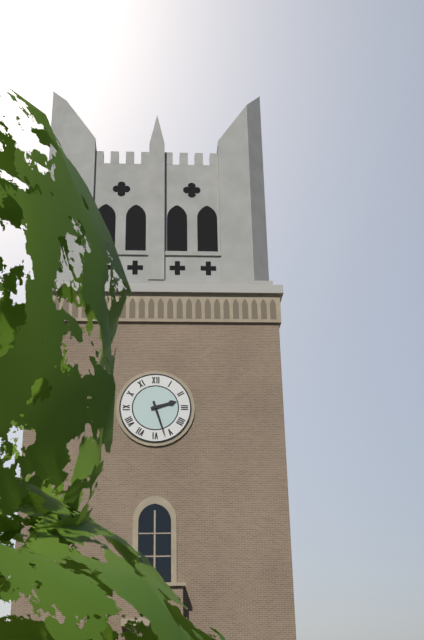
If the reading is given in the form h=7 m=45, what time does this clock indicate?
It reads h=2 m=27
